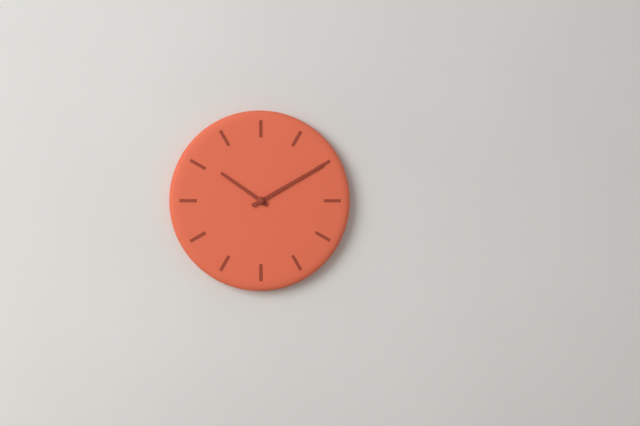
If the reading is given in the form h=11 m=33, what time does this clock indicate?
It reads h=10 m=10
